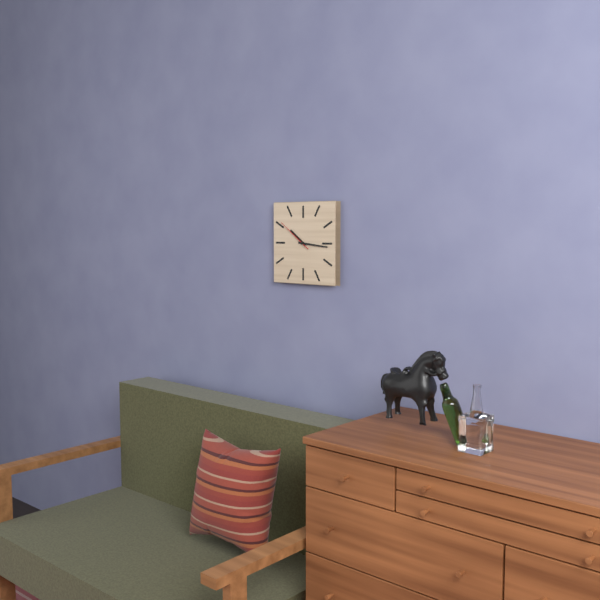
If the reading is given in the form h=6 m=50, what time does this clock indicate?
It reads h=10 m=16
